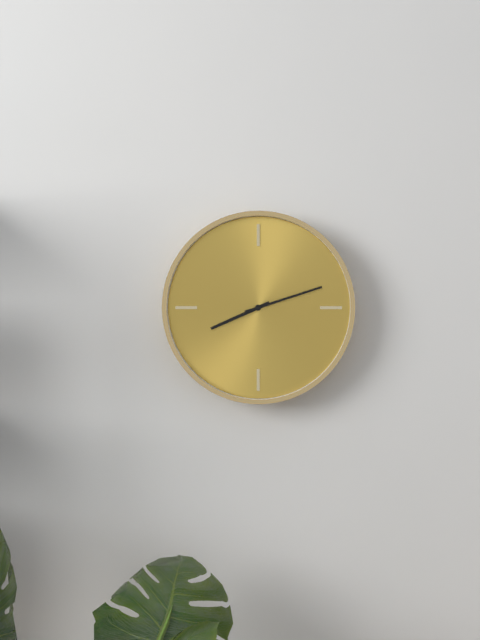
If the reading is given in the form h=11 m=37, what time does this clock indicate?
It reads h=8 m=12
